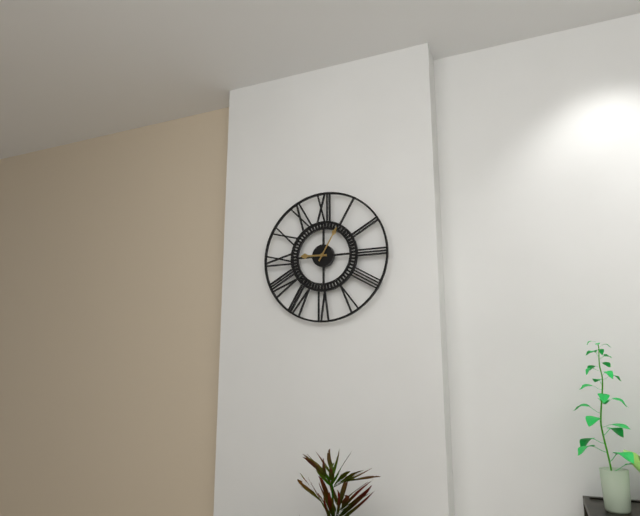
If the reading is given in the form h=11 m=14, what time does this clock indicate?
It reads h=9 m=5
